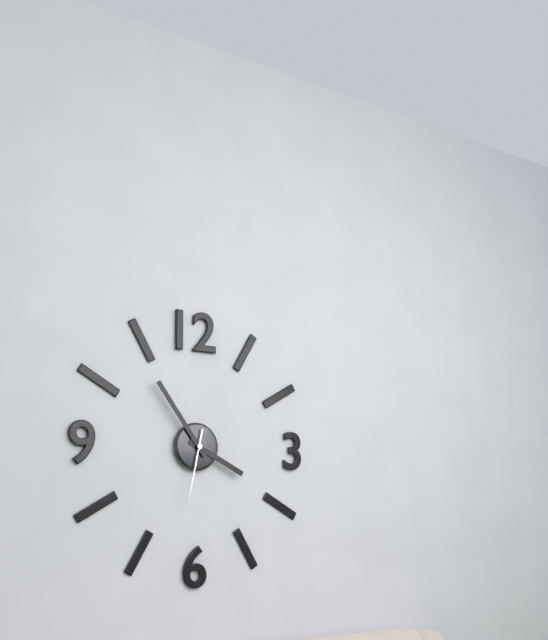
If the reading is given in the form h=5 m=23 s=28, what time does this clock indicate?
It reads h=3 m=54 s=32
